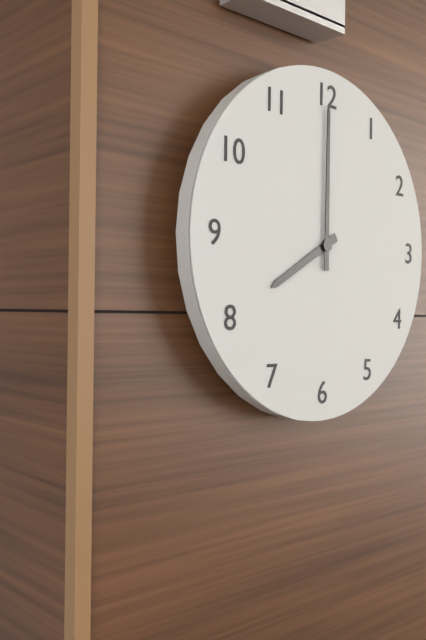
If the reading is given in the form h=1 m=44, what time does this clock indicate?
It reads h=8 m=0
